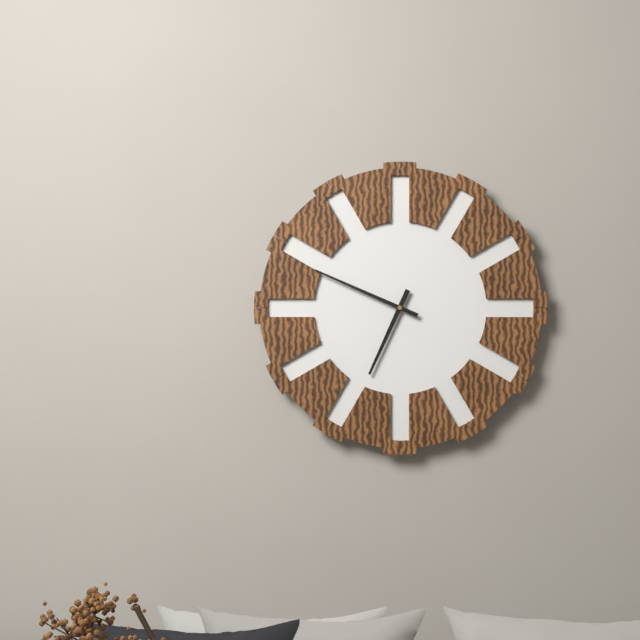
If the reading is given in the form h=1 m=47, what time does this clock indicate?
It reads h=6 m=49
